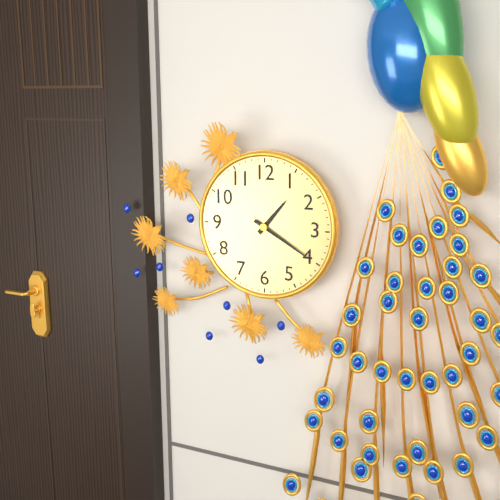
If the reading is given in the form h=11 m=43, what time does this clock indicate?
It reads h=1 m=20
